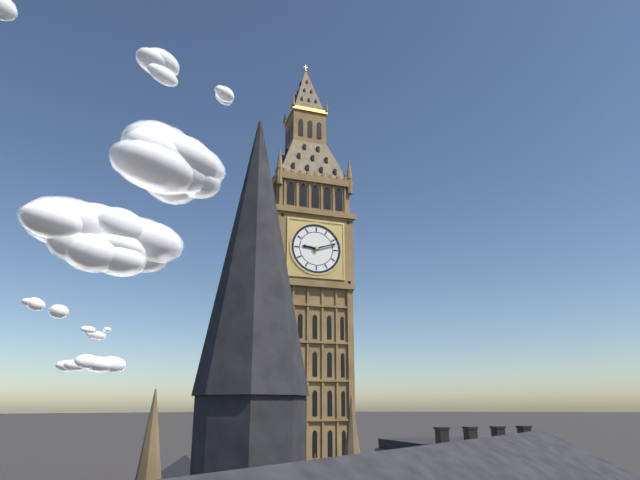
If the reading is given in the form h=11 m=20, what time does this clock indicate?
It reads h=9 m=12
